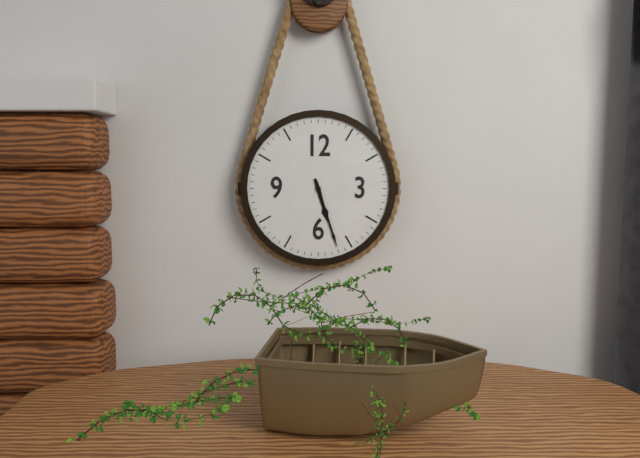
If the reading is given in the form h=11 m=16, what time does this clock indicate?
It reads h=5 m=27
